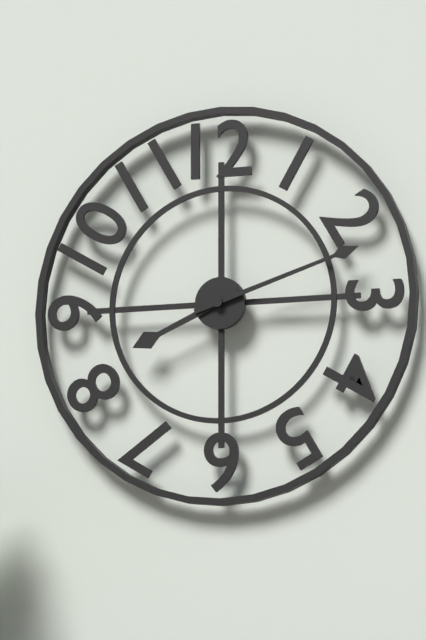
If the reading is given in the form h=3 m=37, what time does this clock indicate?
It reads h=8 m=12
